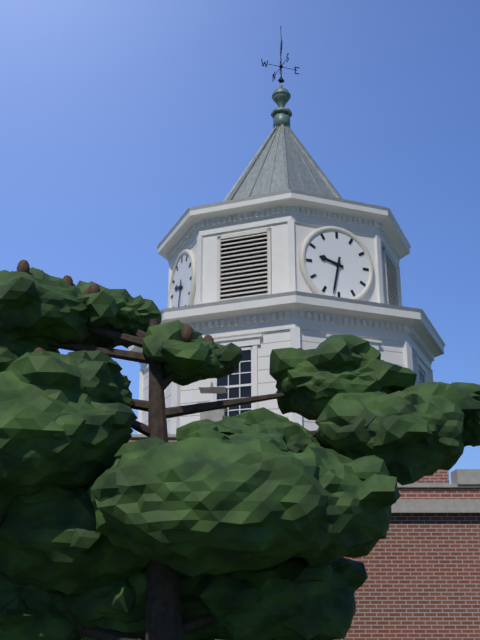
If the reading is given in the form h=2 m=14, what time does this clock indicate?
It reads h=9 m=32
